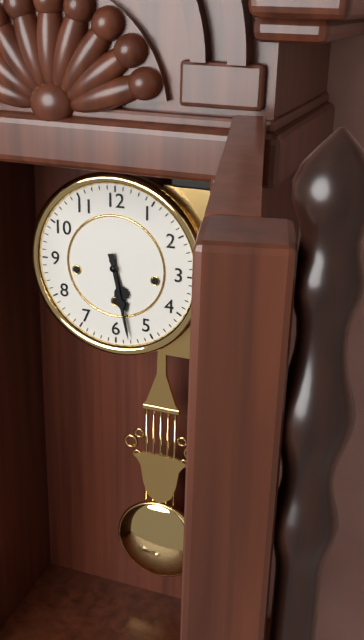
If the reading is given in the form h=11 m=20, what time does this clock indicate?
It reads h=5 m=28
